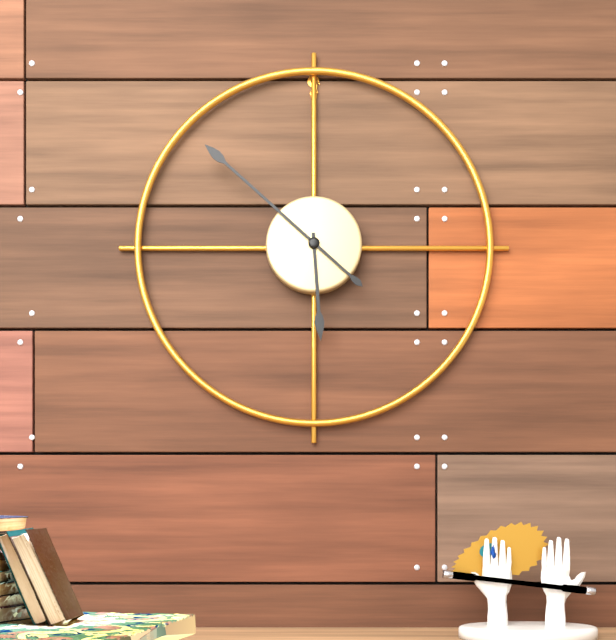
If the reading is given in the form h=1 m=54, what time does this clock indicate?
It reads h=5 m=52
